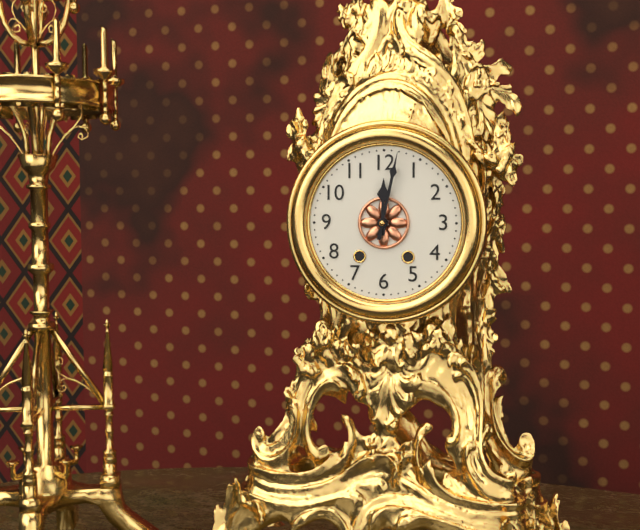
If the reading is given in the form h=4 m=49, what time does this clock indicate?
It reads h=12 m=2
